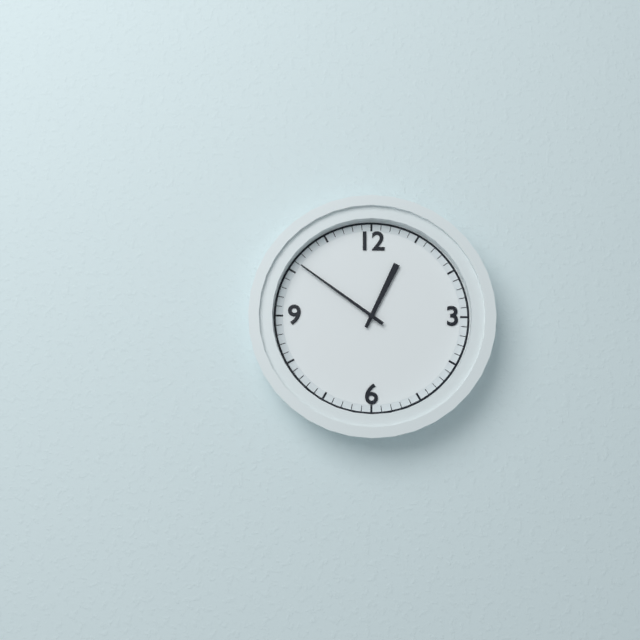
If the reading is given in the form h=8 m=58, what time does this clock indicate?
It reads h=12 m=51
